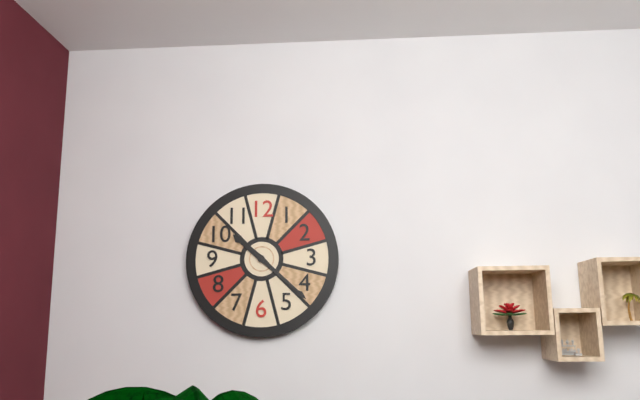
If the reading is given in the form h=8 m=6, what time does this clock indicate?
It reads h=10 m=22
